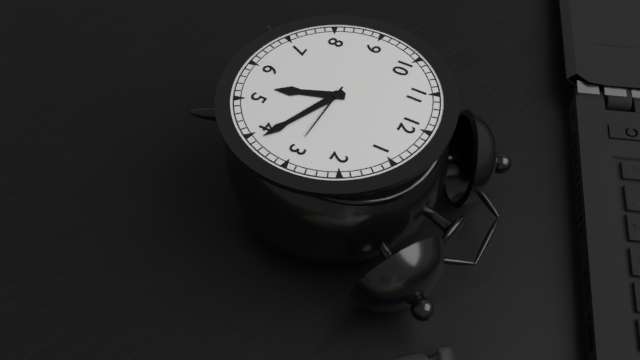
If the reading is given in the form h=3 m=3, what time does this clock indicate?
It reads h=5 m=19
